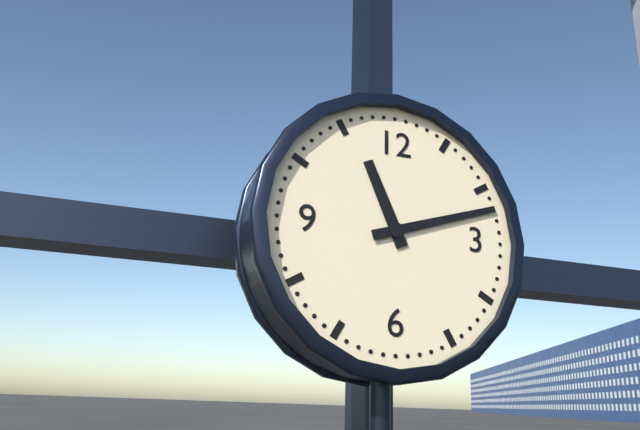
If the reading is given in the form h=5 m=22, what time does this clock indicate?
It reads h=11 m=12
